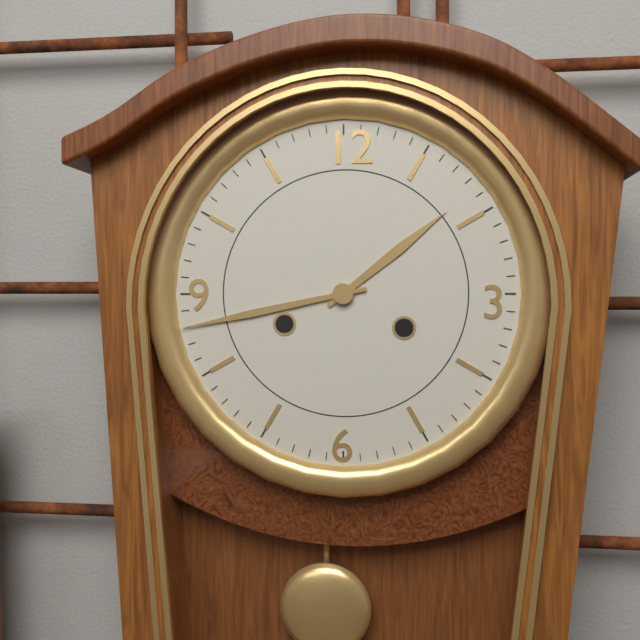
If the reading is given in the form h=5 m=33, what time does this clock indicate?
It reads h=1 m=43
